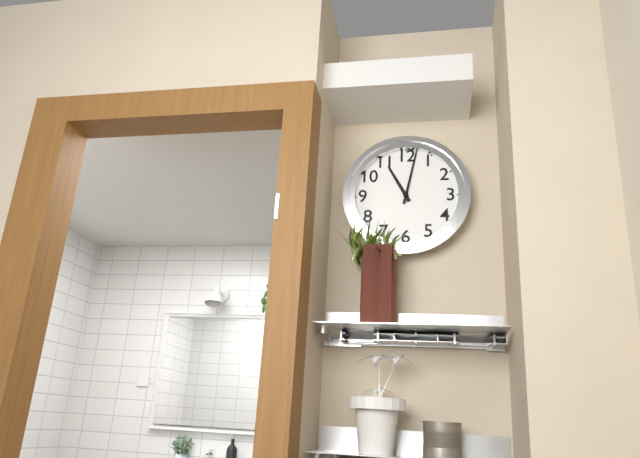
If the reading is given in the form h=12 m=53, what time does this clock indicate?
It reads h=11 m=2
